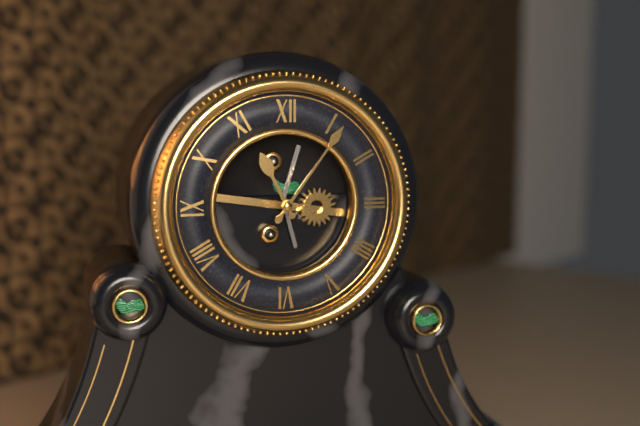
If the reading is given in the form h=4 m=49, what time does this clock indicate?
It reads h=11 m=6
